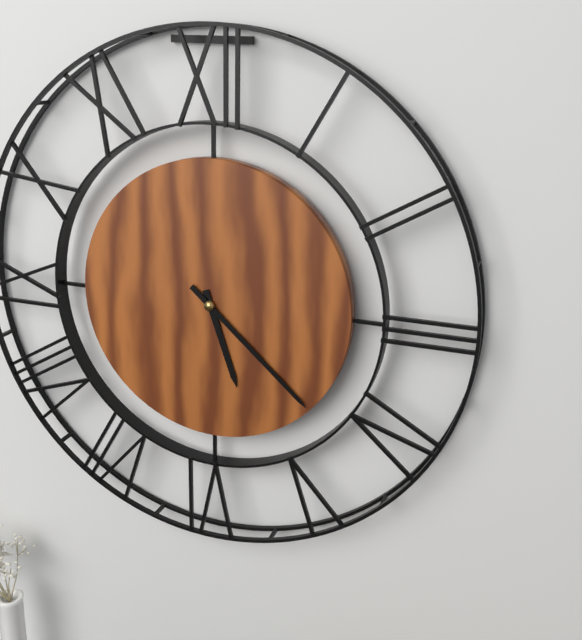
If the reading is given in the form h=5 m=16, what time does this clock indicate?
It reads h=5 m=22
